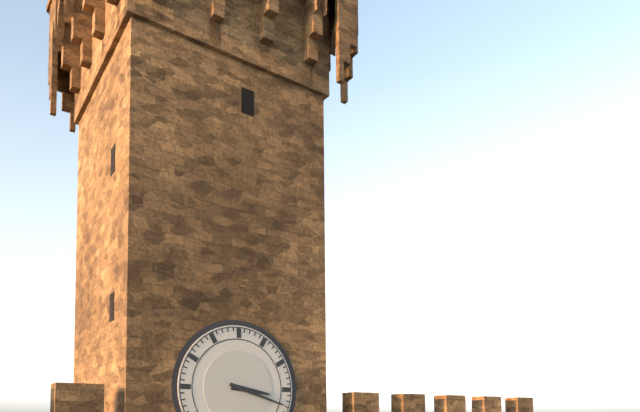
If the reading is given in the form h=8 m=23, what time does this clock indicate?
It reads h=3 m=18
